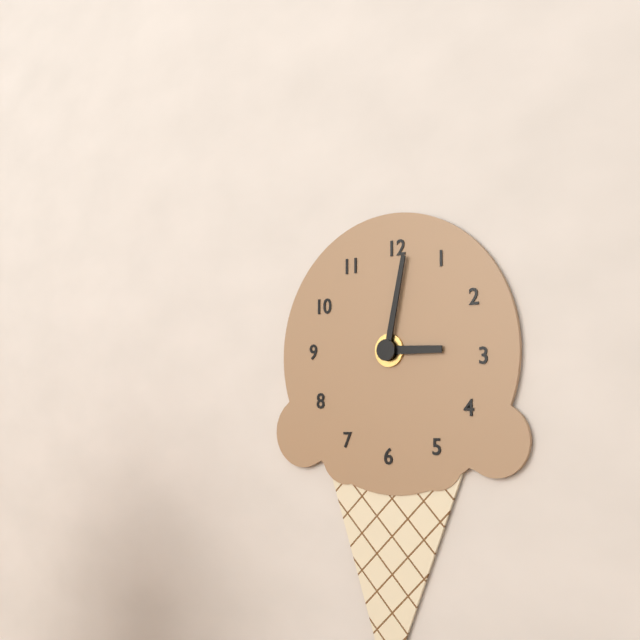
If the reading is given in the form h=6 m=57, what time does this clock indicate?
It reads h=3 m=2
